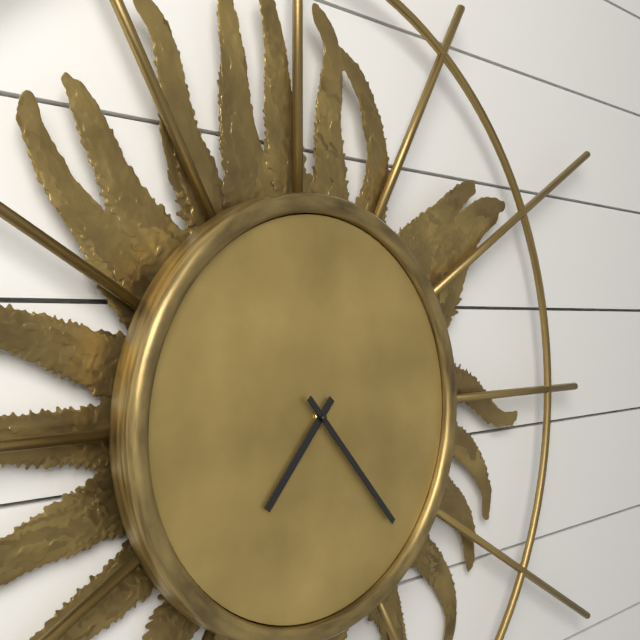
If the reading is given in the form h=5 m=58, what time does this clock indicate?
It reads h=7 m=23
